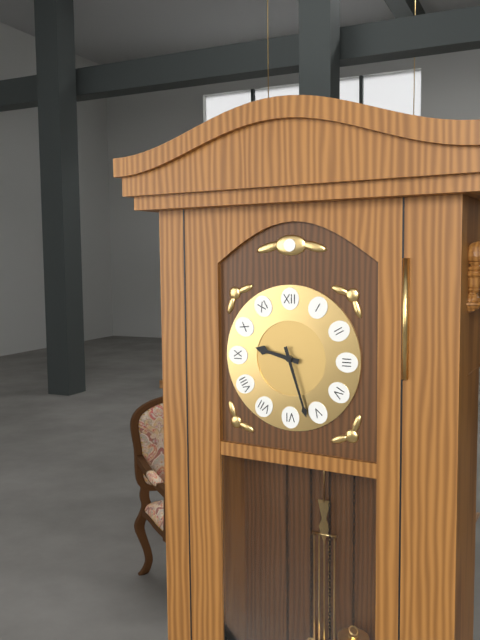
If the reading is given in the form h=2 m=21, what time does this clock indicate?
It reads h=9 m=27
